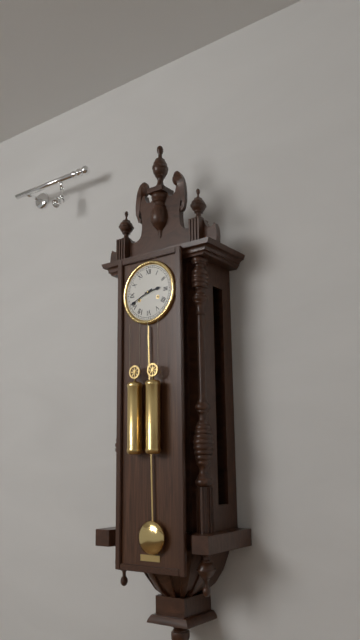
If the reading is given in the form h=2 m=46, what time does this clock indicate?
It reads h=2 m=41
